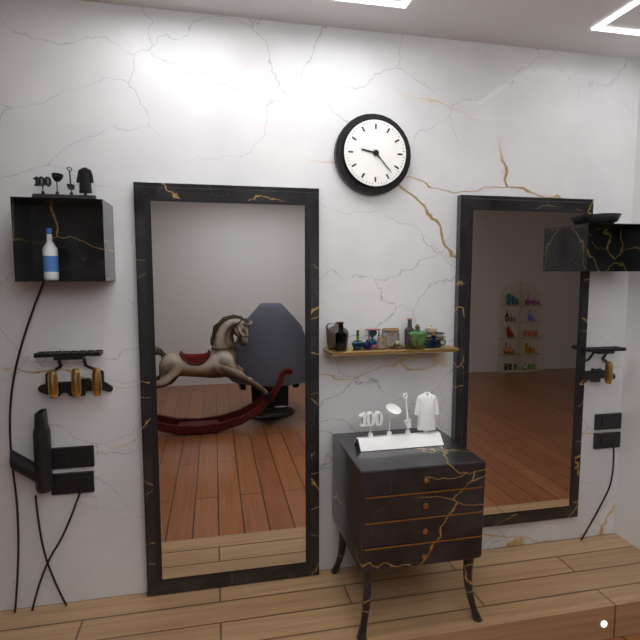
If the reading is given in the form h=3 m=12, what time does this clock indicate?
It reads h=9 m=23
